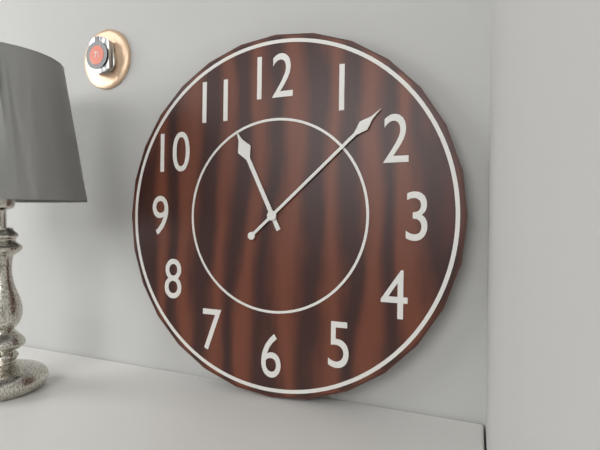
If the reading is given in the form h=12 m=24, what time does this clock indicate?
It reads h=11 m=8
